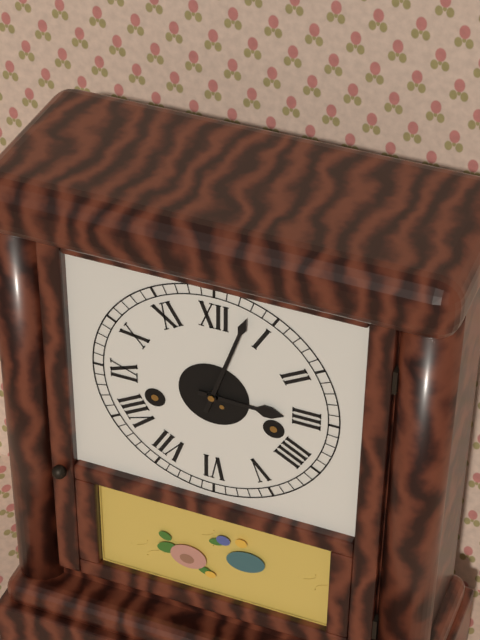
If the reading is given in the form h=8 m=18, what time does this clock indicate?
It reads h=3 m=3
